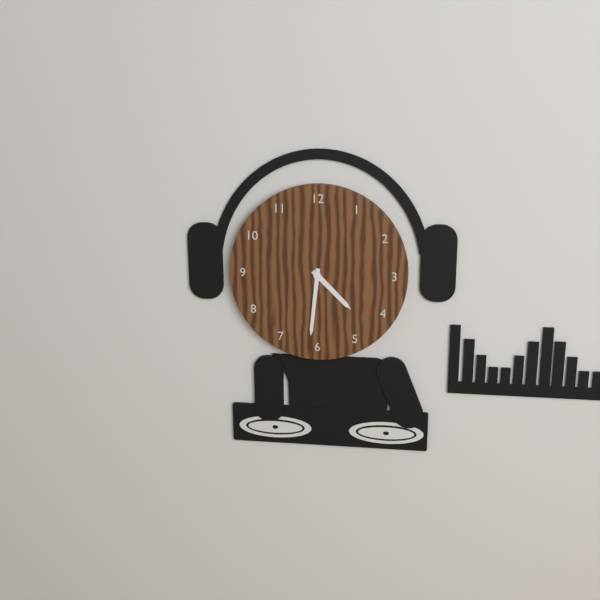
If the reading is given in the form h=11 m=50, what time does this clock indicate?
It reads h=4 m=31
